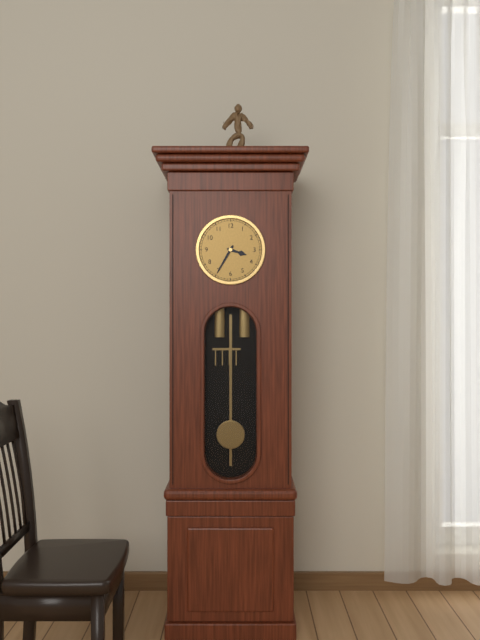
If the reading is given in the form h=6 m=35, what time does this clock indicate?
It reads h=3 m=35
